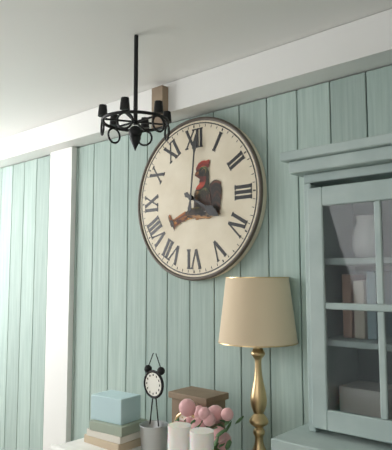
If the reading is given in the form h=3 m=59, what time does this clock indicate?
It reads h=4 m=1
